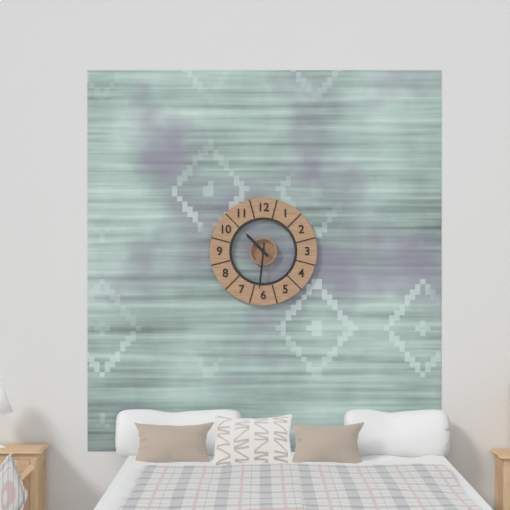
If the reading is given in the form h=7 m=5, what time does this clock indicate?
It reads h=10 m=31
